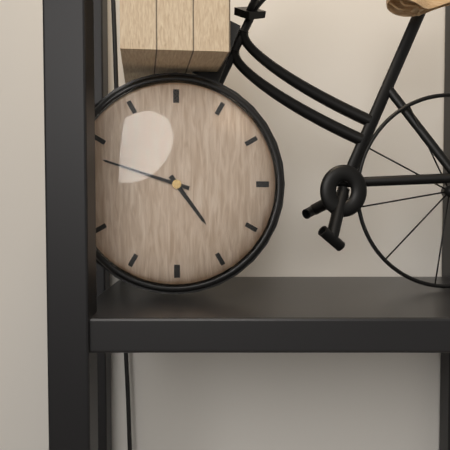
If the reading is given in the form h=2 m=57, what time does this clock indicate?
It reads h=4 m=48
